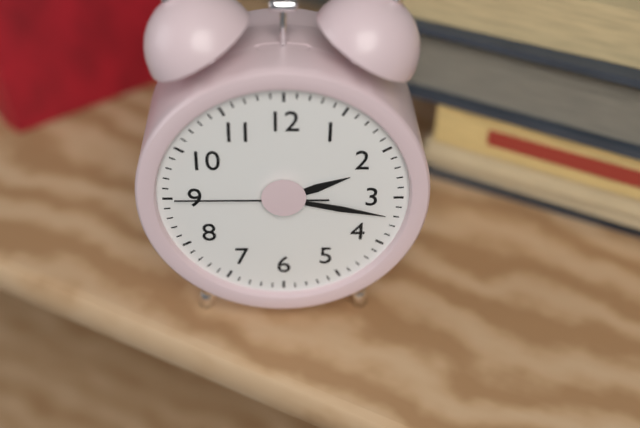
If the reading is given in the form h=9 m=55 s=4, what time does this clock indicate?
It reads h=2 m=17 s=45
